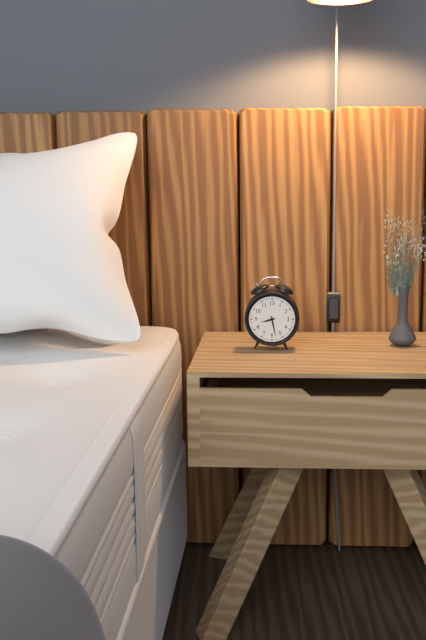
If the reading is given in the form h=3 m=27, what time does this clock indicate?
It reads h=8 m=28
